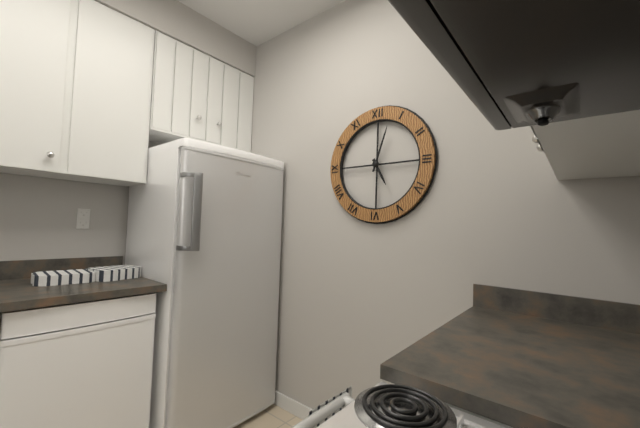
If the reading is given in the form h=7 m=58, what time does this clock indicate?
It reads h=5 m=3
